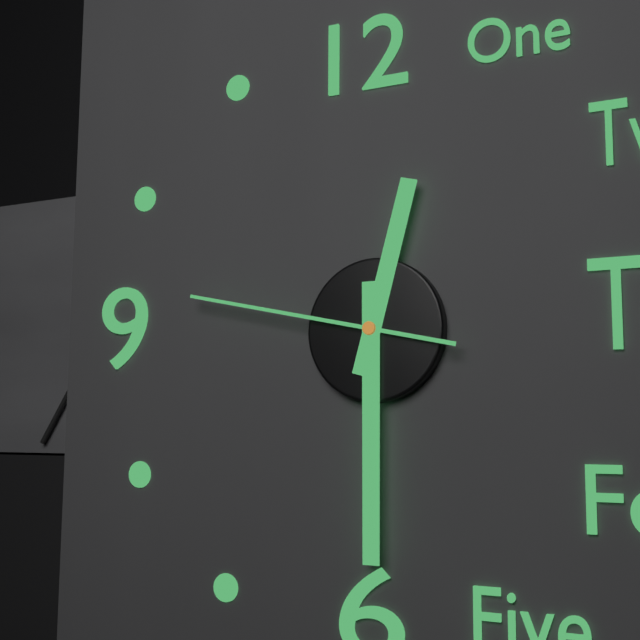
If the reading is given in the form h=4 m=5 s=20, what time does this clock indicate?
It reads h=12 m=30 s=47
